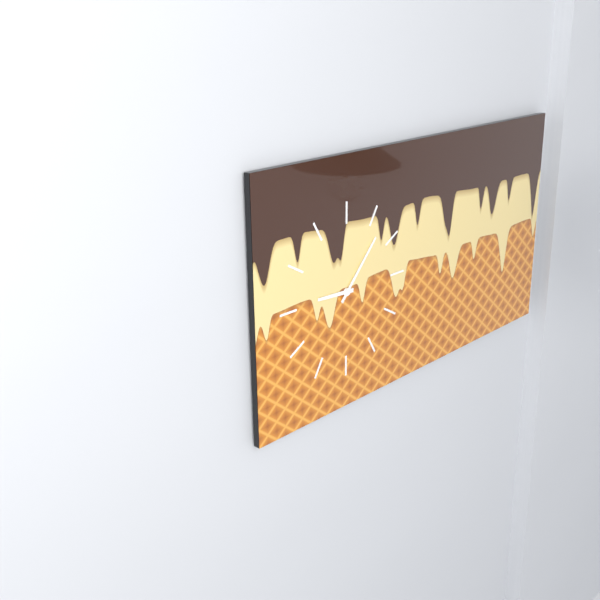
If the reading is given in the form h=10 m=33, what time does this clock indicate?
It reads h=9 m=7
